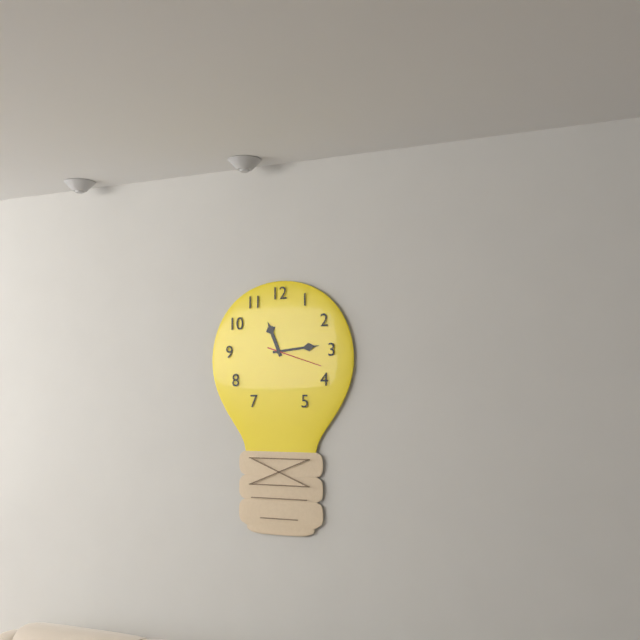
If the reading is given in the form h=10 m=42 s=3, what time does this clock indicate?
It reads h=11 m=14 s=18
